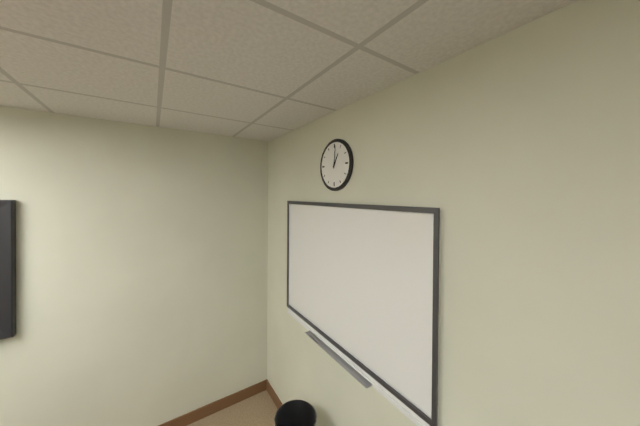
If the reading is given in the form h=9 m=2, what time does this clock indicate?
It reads h=1 m=1
